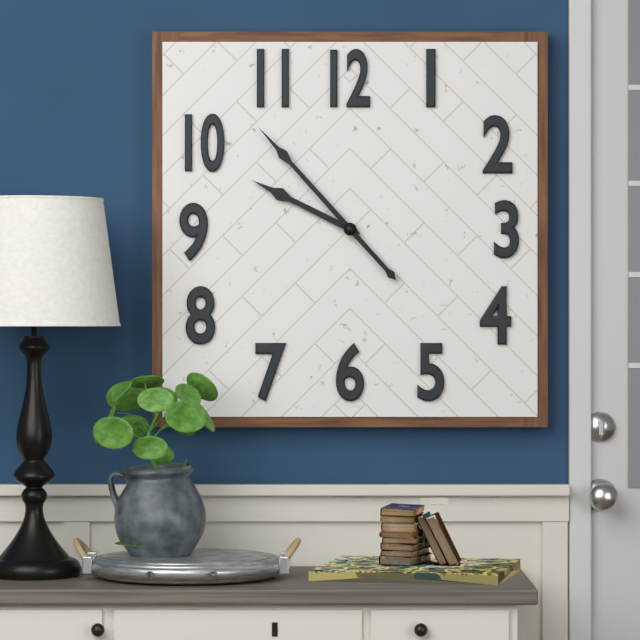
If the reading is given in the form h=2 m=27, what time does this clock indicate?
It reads h=9 m=53
